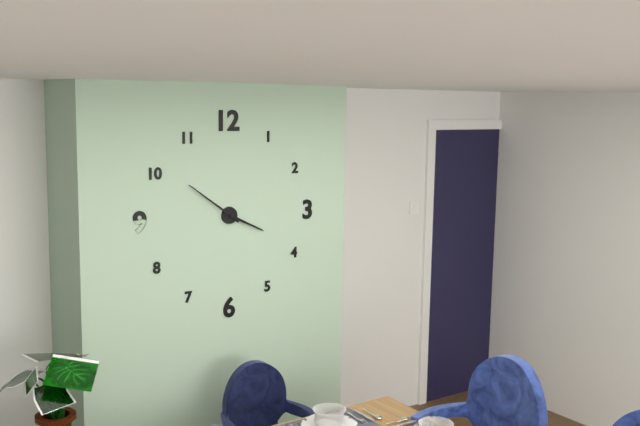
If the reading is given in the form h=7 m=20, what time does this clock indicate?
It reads h=3 m=51
